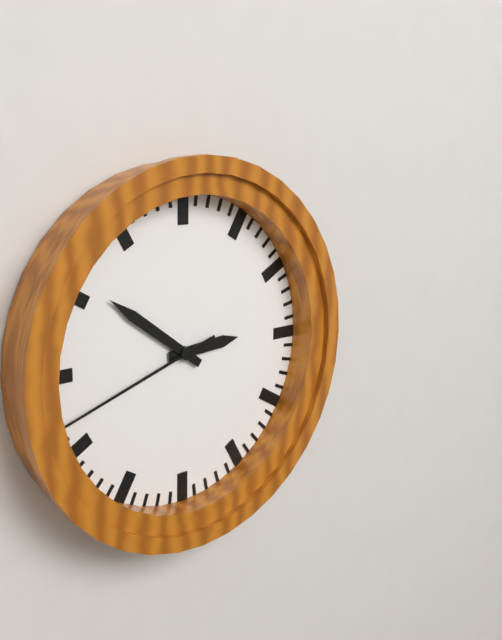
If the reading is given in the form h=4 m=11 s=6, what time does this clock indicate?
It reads h=2 m=51 s=42
